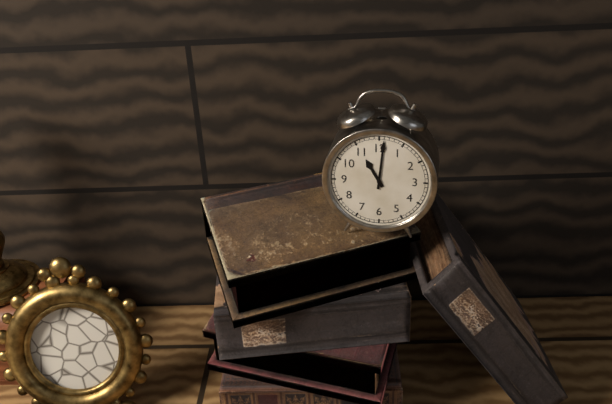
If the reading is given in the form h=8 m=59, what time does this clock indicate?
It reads h=11 m=1
